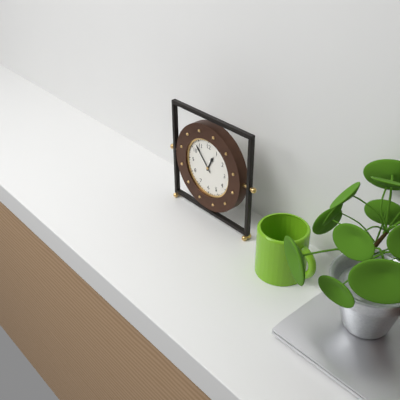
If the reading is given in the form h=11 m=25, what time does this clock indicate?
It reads h=12 m=53
